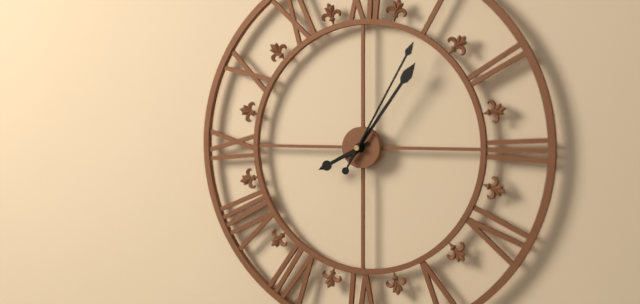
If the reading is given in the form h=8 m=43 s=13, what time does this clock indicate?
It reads h=8 m=6 s=5
